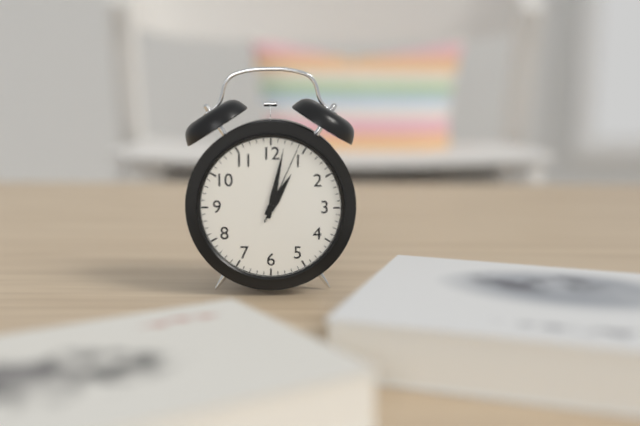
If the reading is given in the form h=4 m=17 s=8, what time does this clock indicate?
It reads h=1 m=2 s=4
